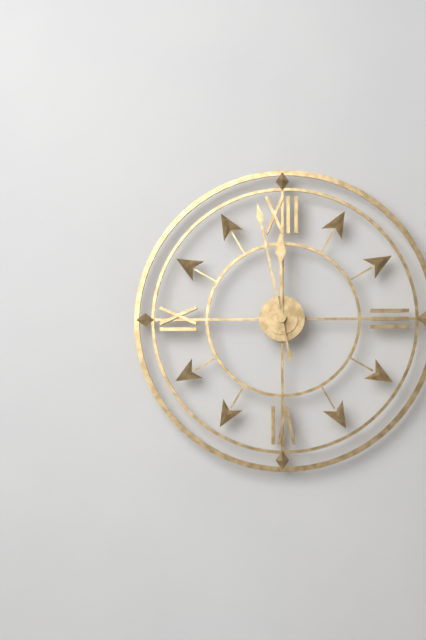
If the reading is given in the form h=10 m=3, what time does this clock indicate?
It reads h=11 m=58
